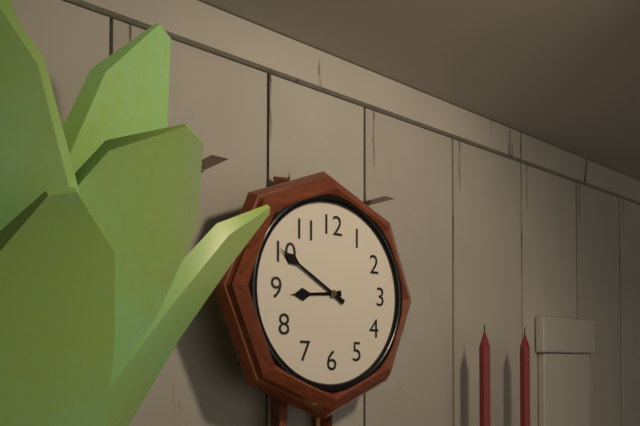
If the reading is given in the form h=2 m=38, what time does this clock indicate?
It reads h=8 m=50
